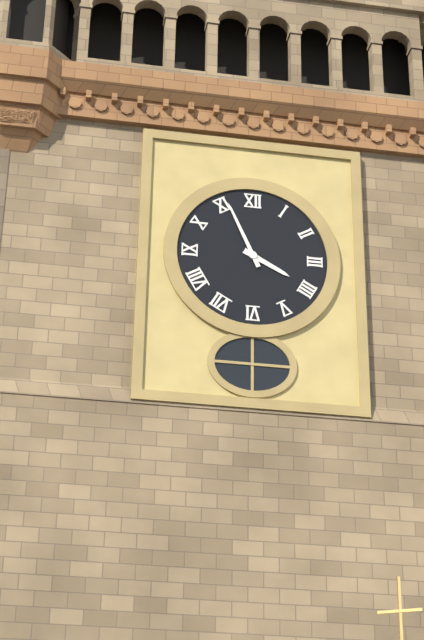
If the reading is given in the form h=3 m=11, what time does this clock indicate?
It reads h=3 m=56
